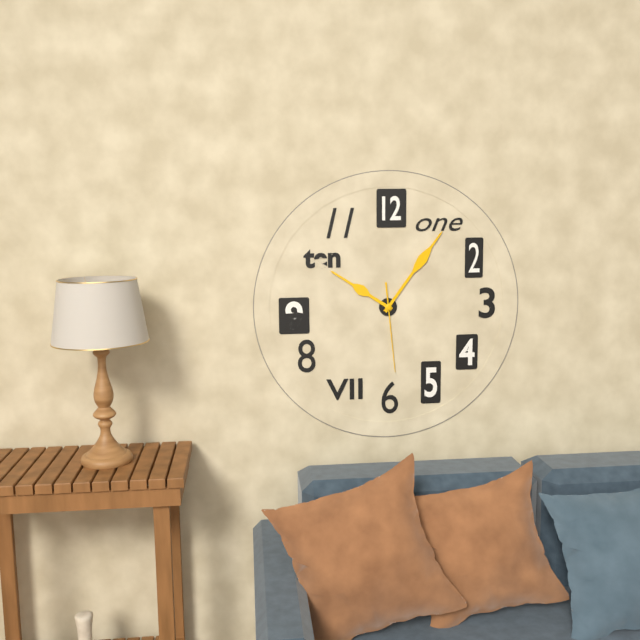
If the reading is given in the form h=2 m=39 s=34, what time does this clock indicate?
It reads h=10 m=6 s=29
